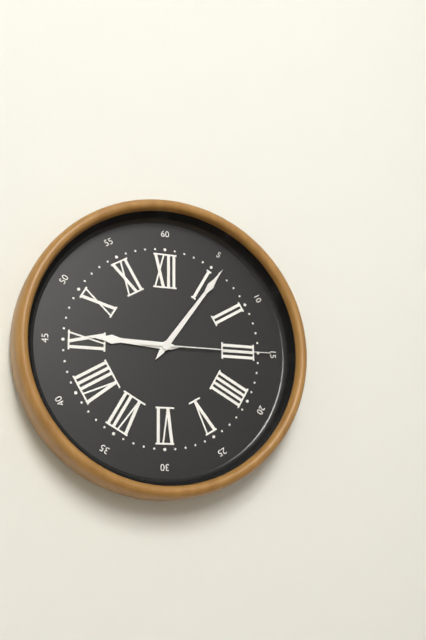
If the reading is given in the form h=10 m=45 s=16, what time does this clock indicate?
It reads h=9 m=6 s=15
